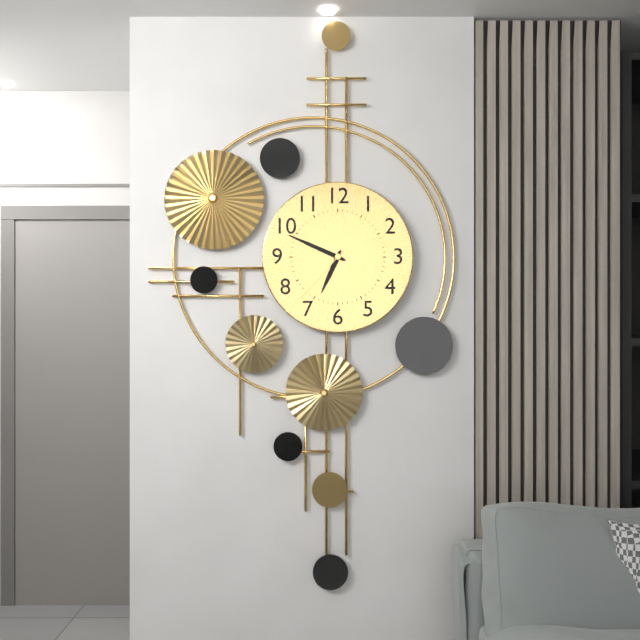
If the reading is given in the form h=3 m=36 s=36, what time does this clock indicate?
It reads h=6 m=49 s=37
